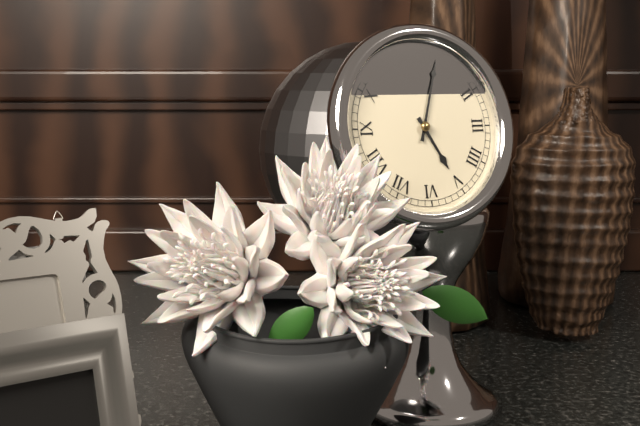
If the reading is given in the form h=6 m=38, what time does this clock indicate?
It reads h=5 m=3
